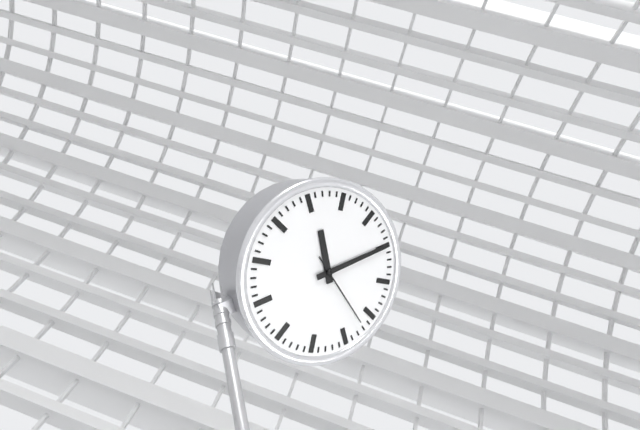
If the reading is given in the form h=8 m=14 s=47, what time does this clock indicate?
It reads h=11 m=10 s=22
